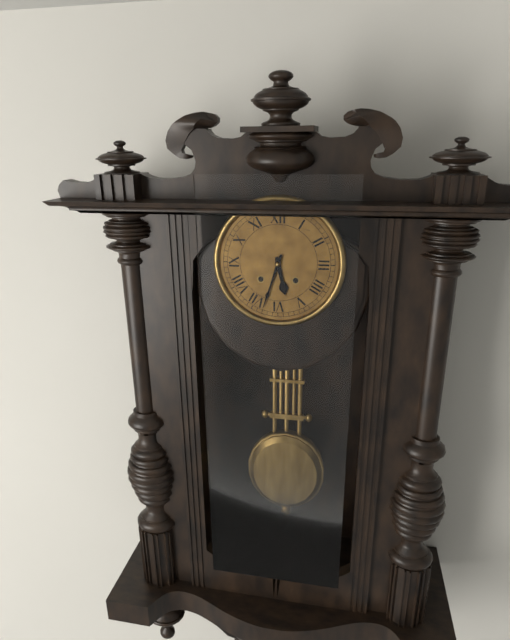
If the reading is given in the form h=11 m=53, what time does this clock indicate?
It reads h=5 m=33
